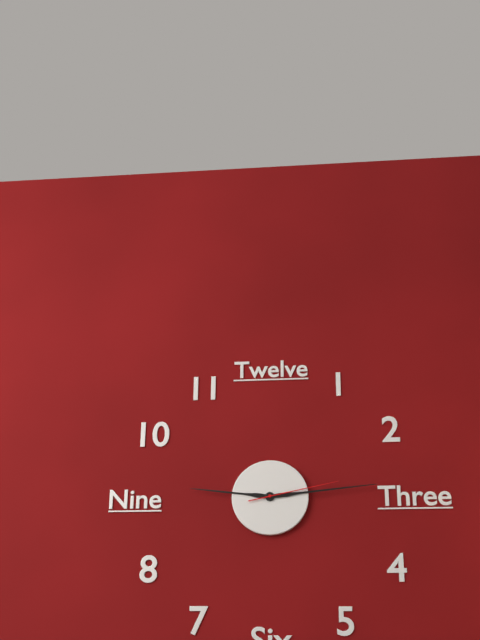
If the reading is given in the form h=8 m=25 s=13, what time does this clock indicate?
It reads h=9 m=14 s=13
